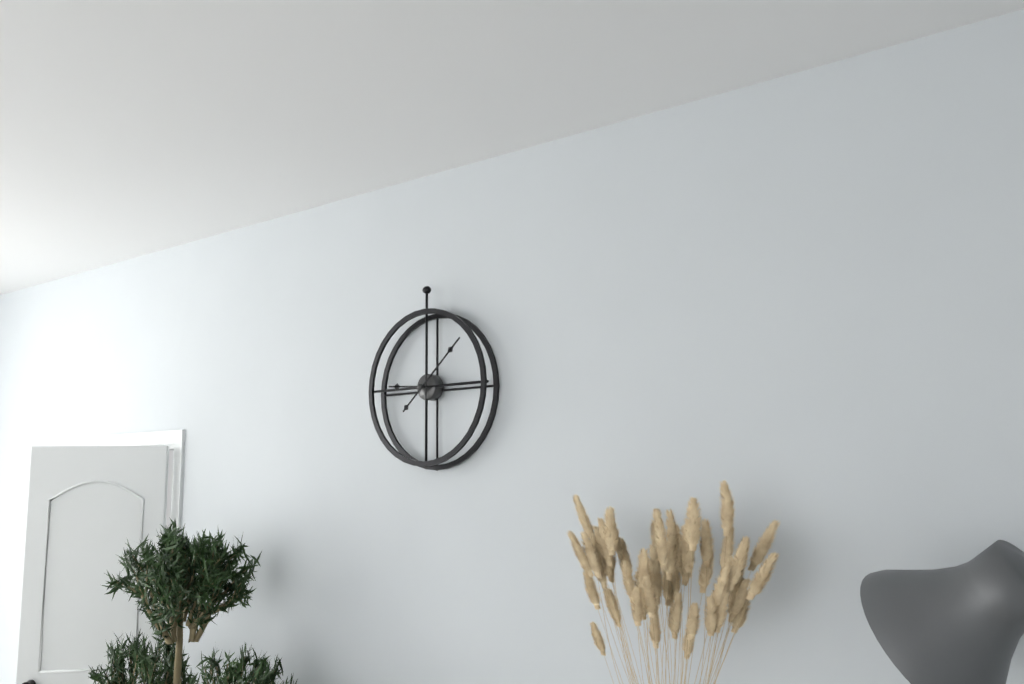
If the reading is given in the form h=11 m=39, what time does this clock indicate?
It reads h=9 m=8
